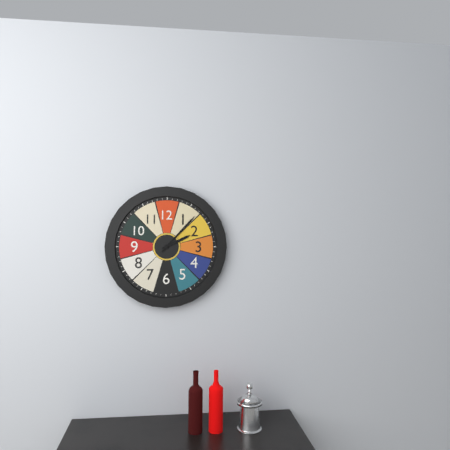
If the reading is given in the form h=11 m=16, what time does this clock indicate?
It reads h=2 m=7
